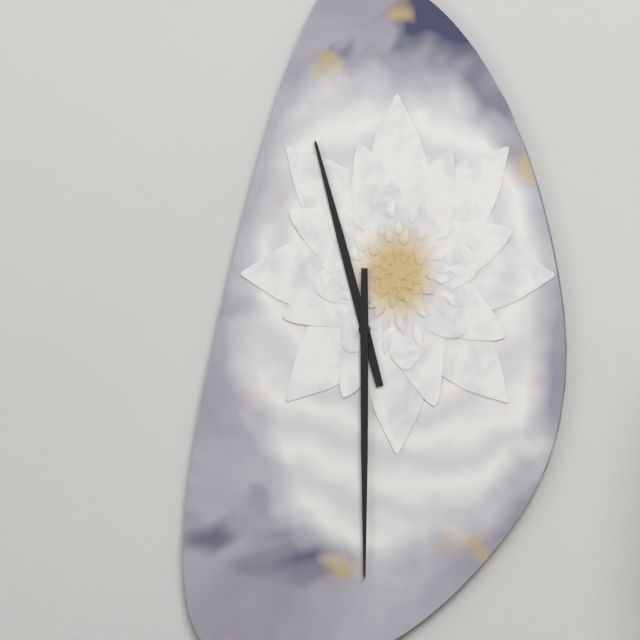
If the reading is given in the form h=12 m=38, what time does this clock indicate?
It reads h=11 m=30
